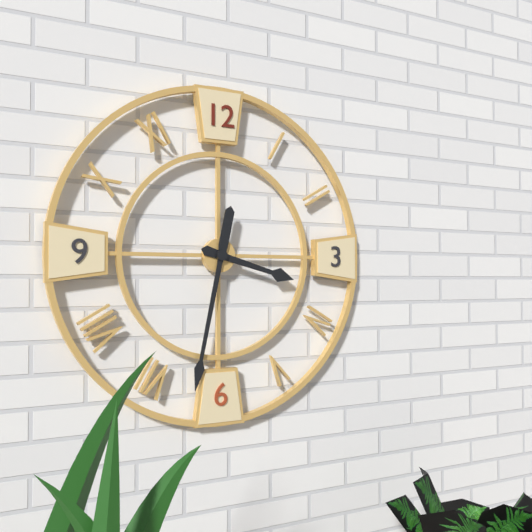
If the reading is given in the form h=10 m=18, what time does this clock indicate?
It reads h=3 m=32
